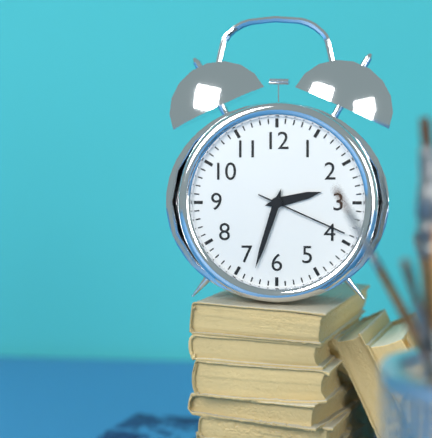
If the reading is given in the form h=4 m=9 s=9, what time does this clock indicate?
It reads h=2 m=33 s=19
